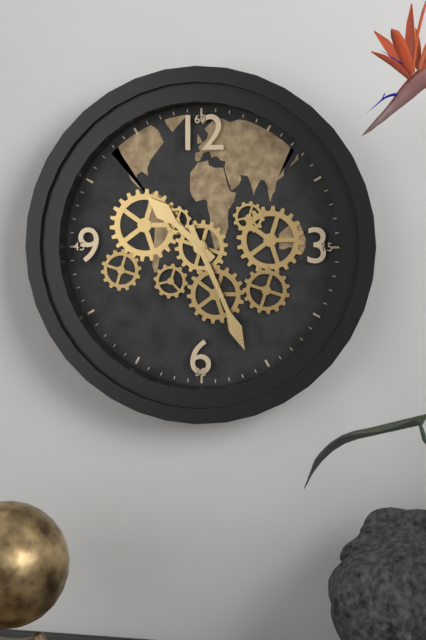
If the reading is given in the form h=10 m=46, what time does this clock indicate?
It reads h=10 m=26
